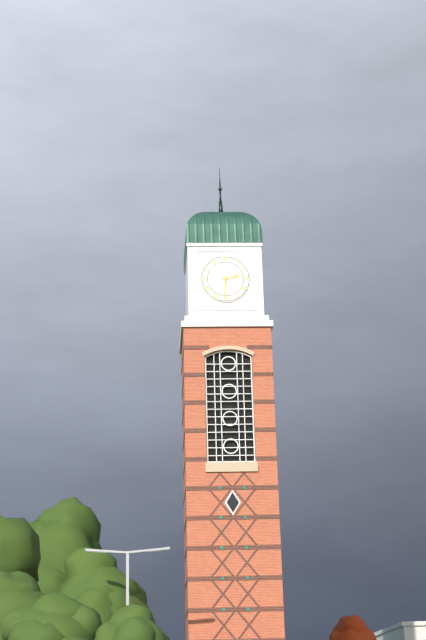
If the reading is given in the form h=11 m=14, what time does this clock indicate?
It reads h=2 m=31
